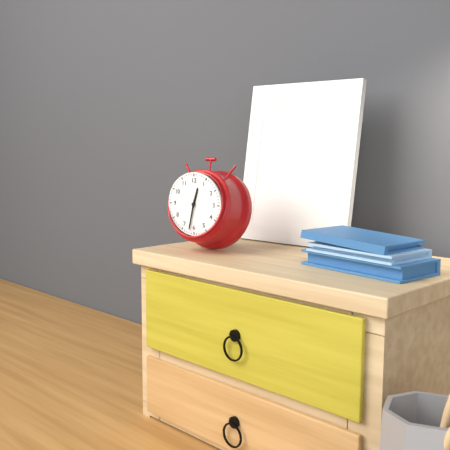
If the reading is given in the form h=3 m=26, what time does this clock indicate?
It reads h=12 m=32
